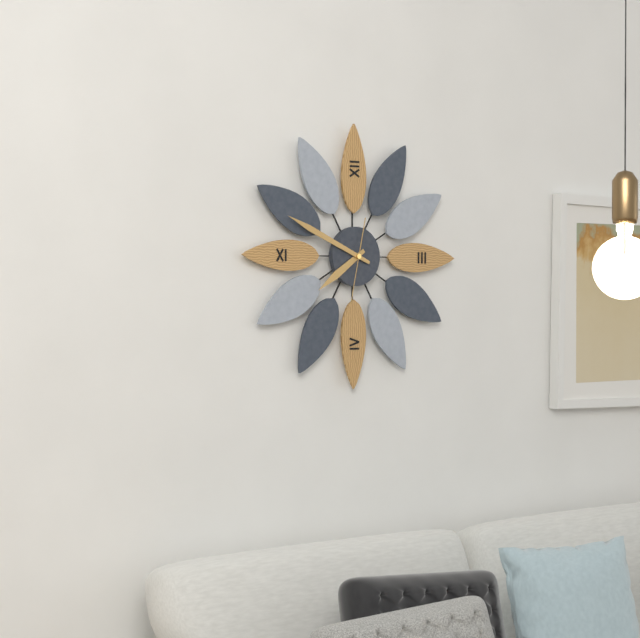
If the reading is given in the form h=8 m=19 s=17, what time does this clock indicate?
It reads h=7 m=49 s=32
